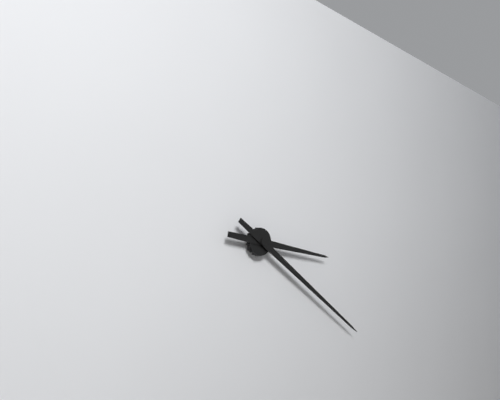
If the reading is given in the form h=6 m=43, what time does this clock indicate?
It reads h=3 m=21
